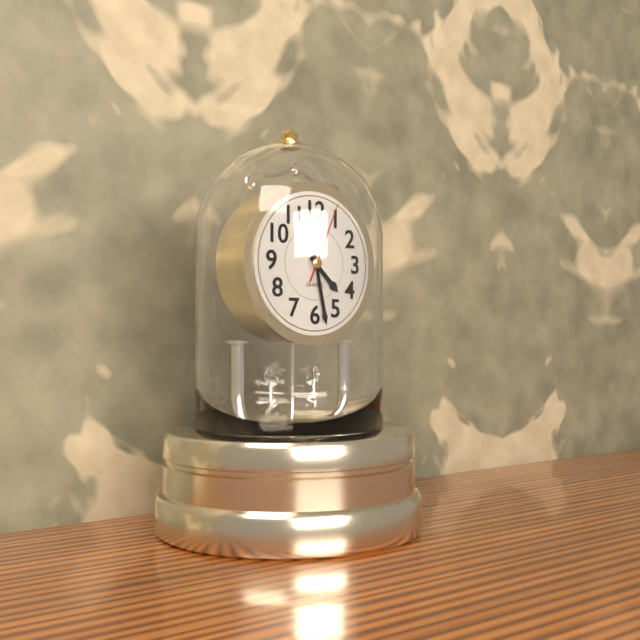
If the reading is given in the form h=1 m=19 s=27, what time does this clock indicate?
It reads h=4 m=28 s=4
